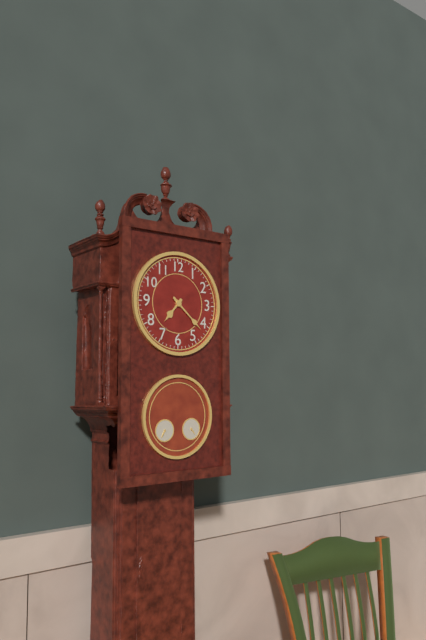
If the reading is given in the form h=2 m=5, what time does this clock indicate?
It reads h=7 m=22
